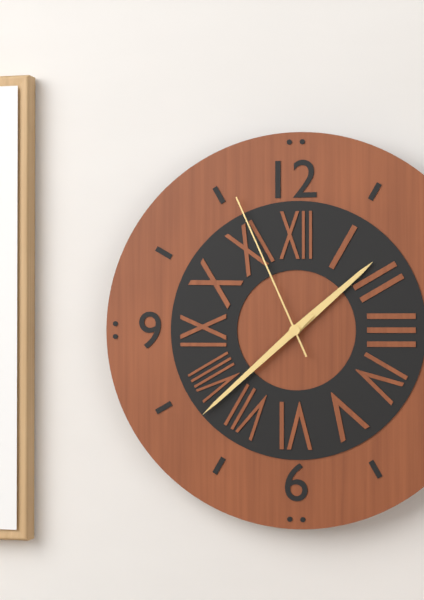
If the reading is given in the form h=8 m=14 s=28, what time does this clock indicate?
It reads h=1 m=38 s=56
